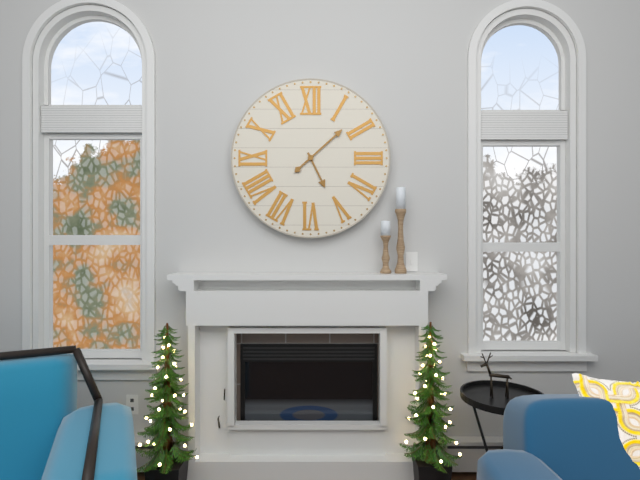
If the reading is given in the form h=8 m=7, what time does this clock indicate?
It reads h=5 m=8
